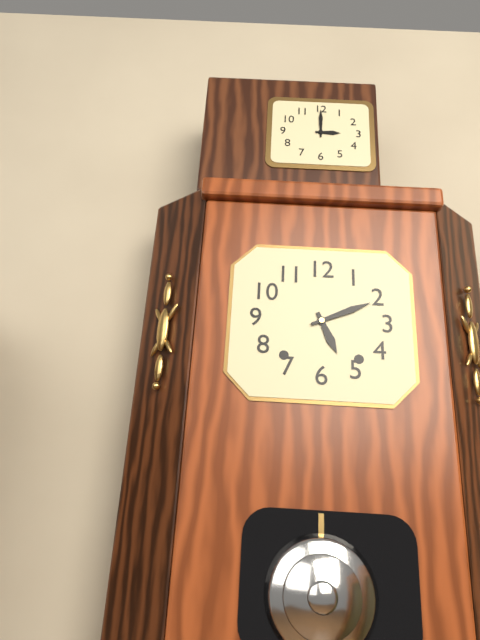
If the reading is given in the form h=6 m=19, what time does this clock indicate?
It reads h=5 m=11
